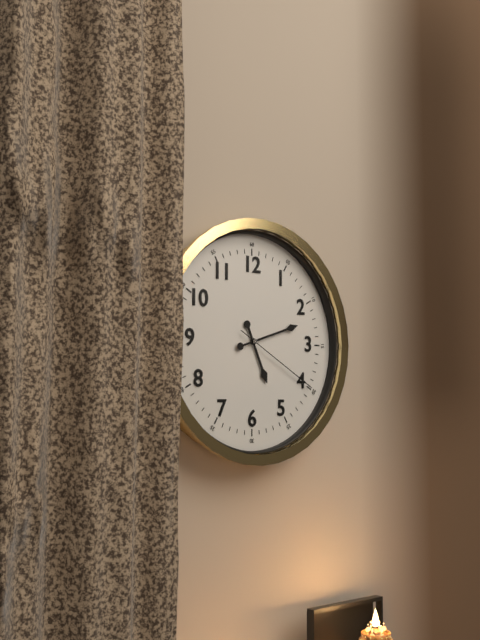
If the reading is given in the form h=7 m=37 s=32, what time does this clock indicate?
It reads h=5 m=12 s=20
